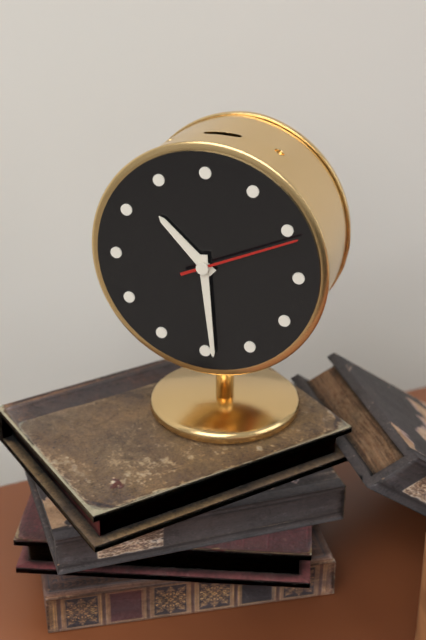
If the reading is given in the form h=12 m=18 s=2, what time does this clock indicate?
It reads h=10 m=29 s=11
